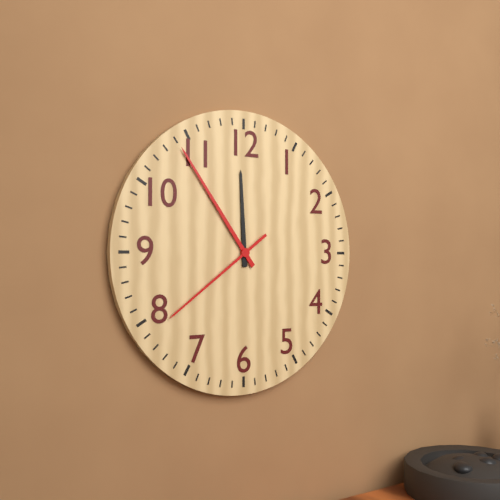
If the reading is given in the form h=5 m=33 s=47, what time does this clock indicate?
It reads h=11 m=54 s=39
